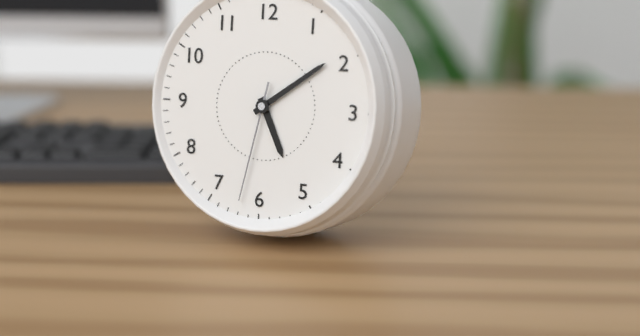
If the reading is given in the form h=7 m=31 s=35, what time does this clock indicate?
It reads h=5 m=9 s=32
